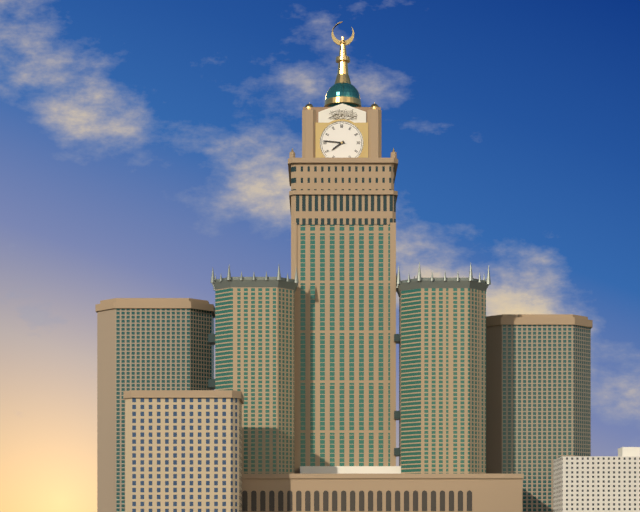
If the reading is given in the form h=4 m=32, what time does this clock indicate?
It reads h=7 m=46
